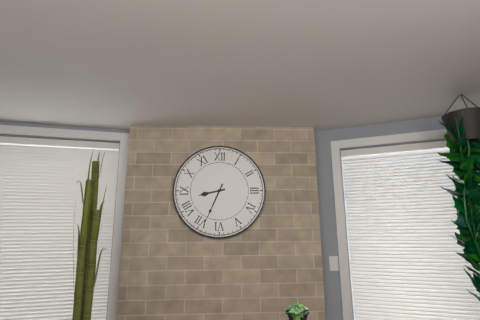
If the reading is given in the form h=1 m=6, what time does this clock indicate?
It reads h=8 m=34
